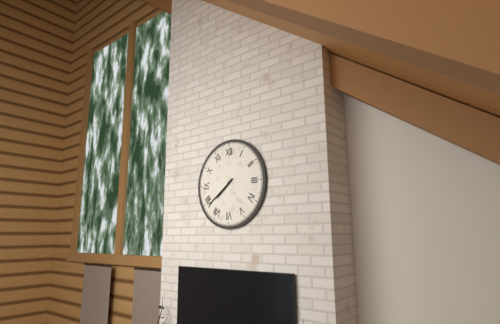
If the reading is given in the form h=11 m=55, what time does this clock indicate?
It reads h=7 m=39
